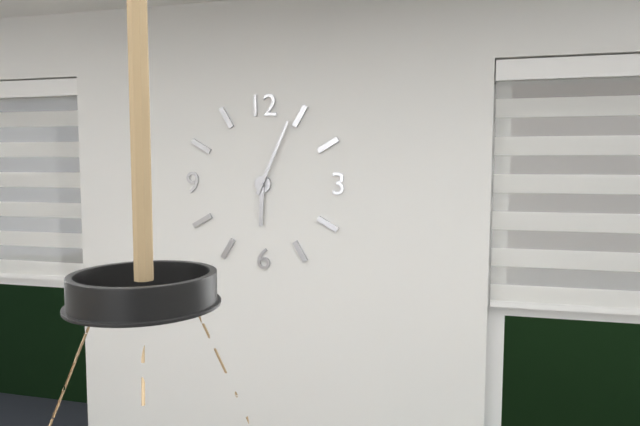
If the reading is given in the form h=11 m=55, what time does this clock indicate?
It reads h=6 m=4
